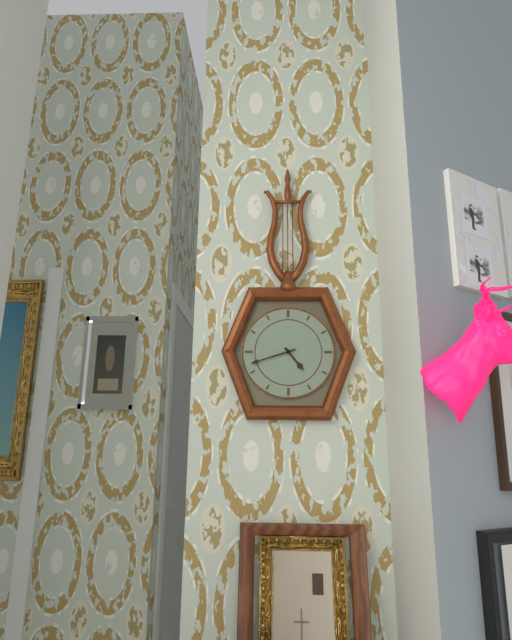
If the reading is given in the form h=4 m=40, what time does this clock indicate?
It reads h=4 m=42
